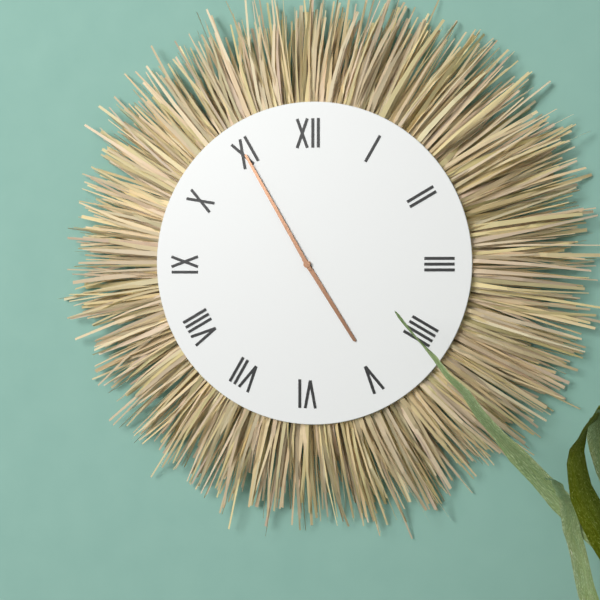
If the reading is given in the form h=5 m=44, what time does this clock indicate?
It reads h=4 m=55
